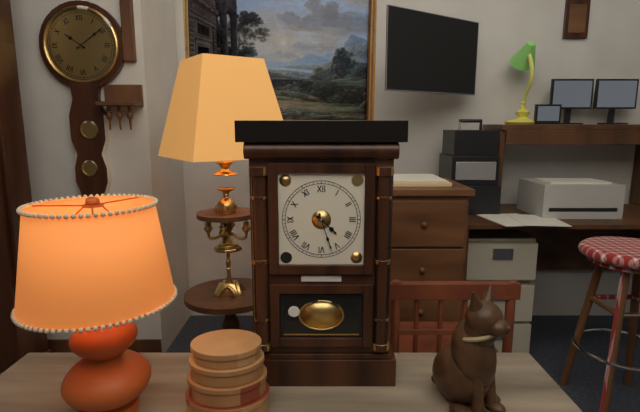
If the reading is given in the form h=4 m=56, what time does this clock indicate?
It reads h=4 m=27
